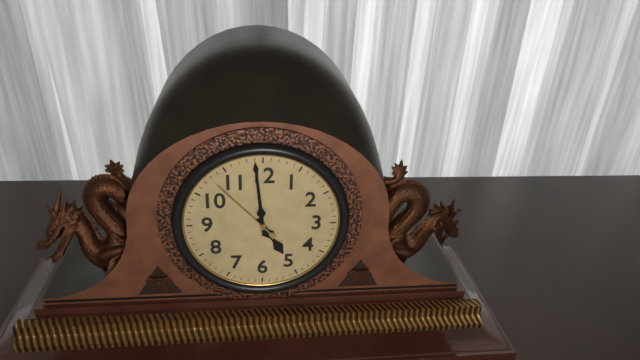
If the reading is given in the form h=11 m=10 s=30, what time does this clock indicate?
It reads h=4 m=59 s=53
